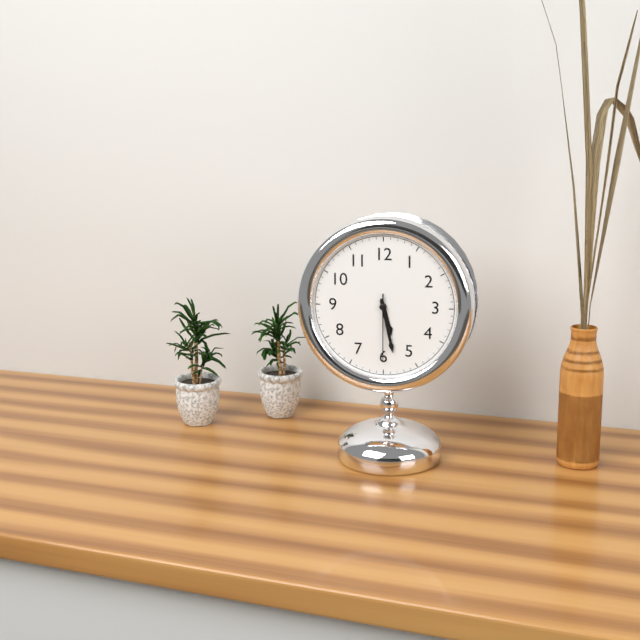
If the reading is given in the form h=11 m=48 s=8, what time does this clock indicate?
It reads h=5 m=28 s=30
